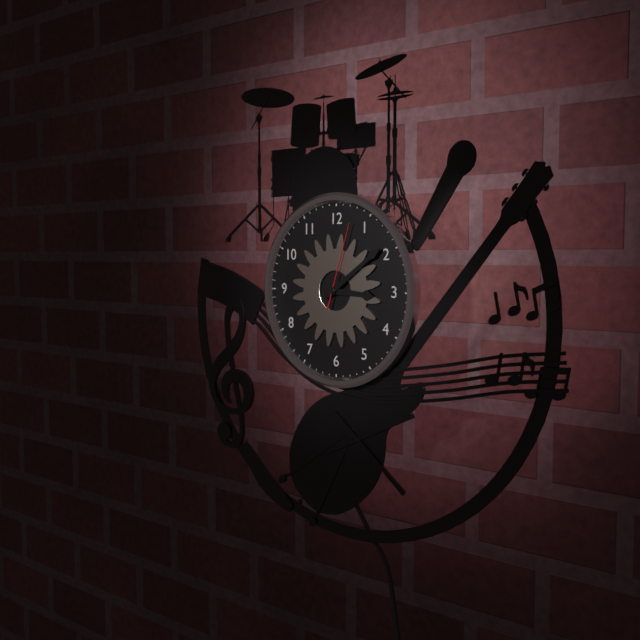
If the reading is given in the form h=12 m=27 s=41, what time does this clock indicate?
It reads h=3 m=9 s=3
